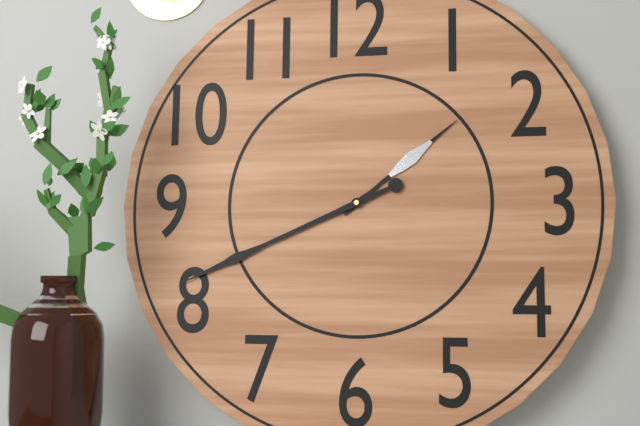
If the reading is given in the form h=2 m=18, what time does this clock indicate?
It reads h=1 m=41
